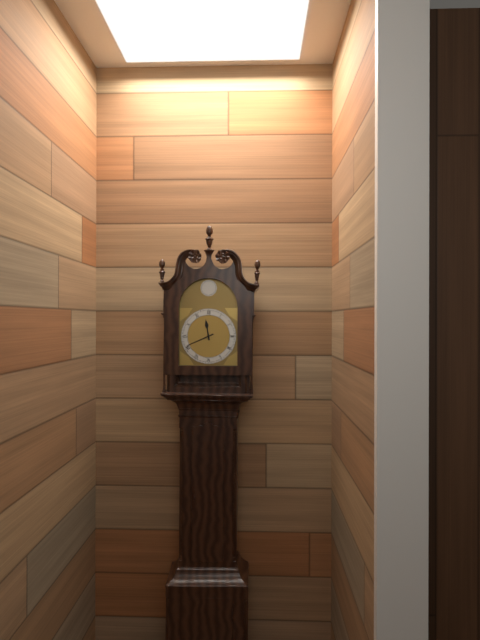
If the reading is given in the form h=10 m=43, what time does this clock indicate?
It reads h=11 m=41
